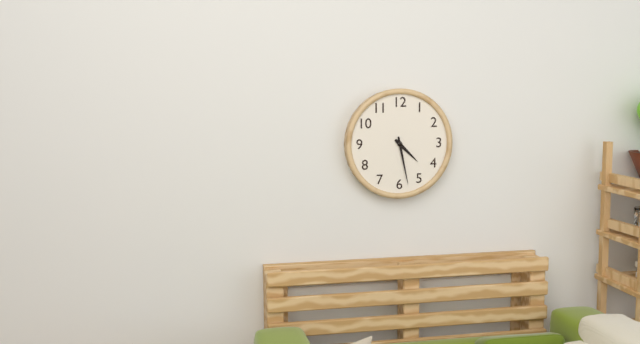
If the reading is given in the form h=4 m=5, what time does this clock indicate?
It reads h=4 m=28
